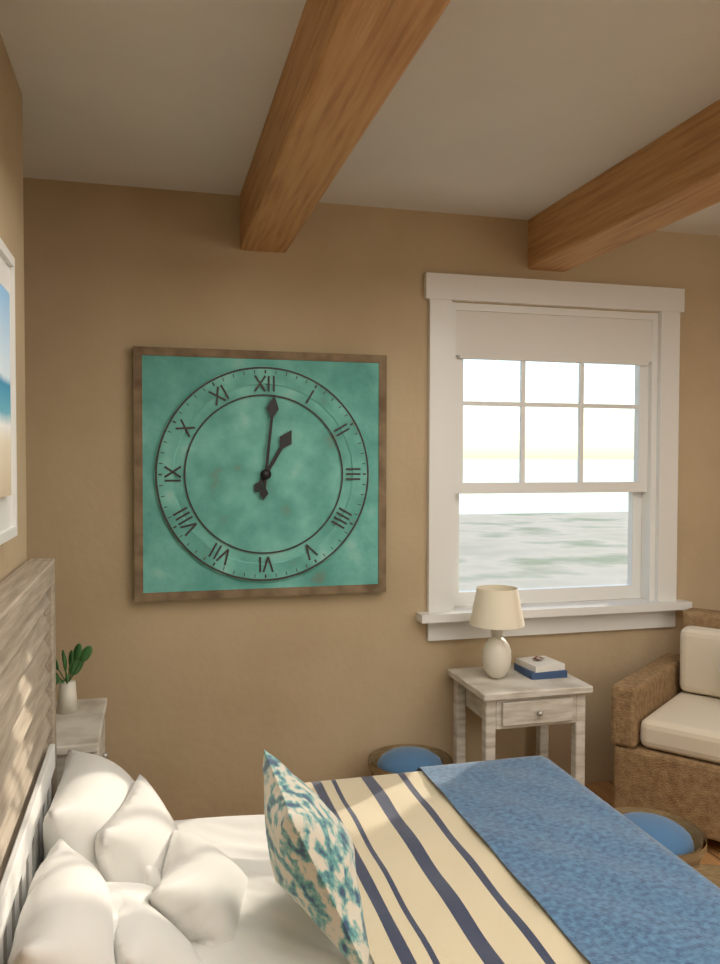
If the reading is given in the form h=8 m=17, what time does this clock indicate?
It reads h=1 m=1
